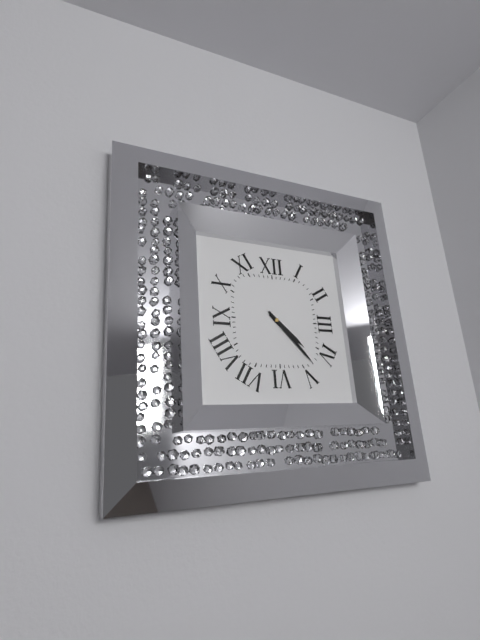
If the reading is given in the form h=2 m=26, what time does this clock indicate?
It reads h=4 m=23
